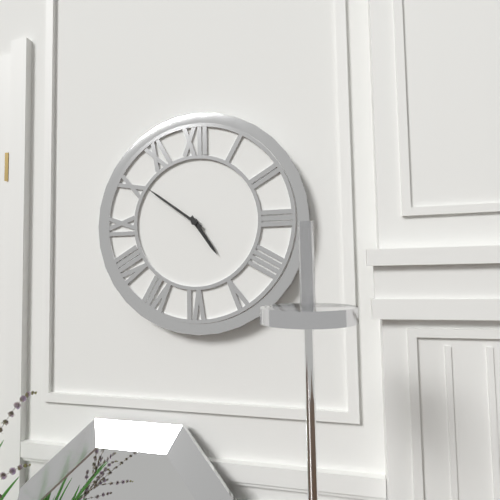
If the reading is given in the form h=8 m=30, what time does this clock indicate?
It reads h=4 m=51
